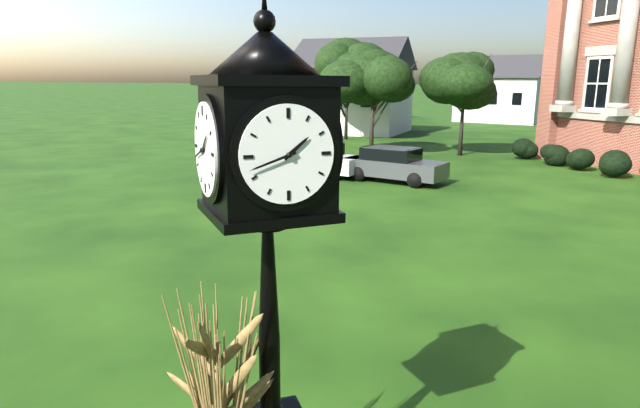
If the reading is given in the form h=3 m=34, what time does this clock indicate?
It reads h=1 m=42
